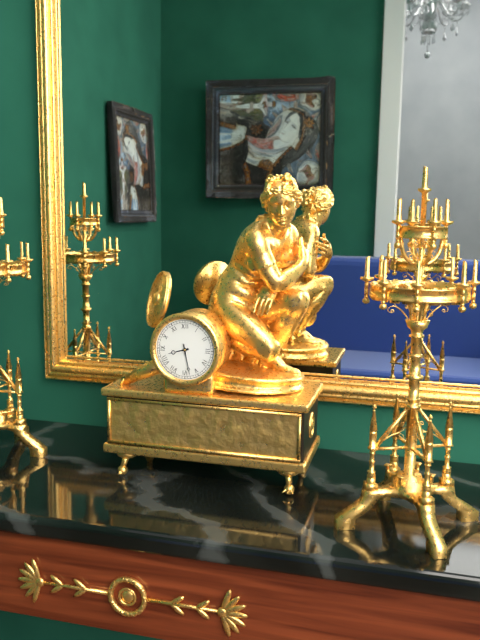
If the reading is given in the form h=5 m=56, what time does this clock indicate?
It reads h=8 m=28
